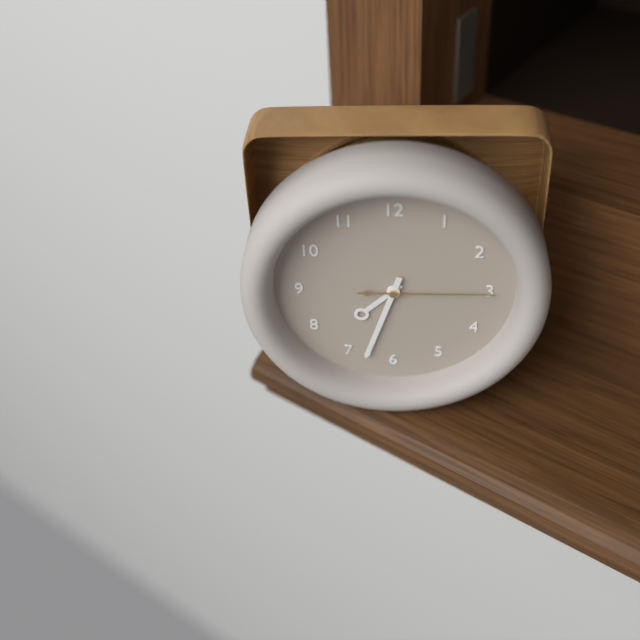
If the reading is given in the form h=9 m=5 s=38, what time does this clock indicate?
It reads h=7 m=33 s=15
